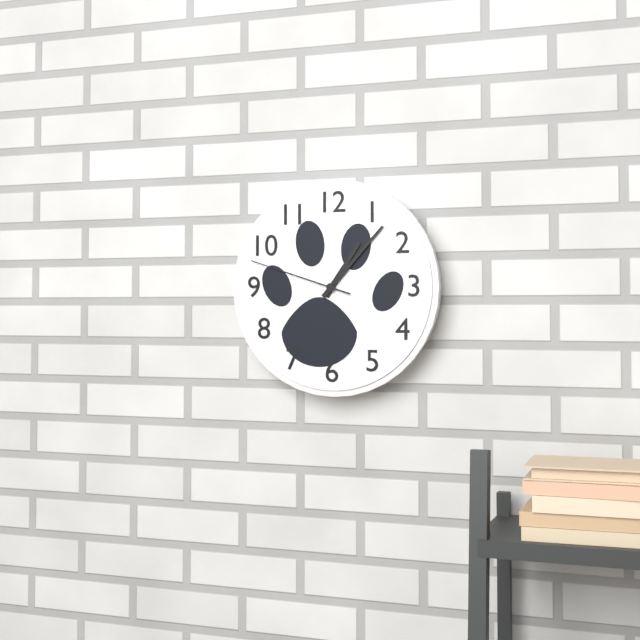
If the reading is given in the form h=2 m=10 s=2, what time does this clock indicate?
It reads h=1 m=7 s=48
